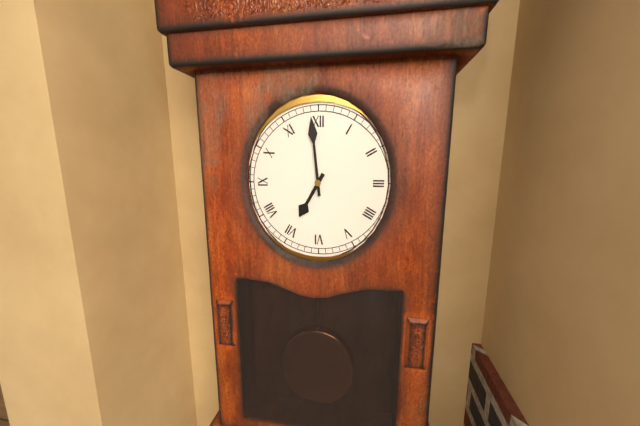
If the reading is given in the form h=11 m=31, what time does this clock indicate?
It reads h=6 m=59
